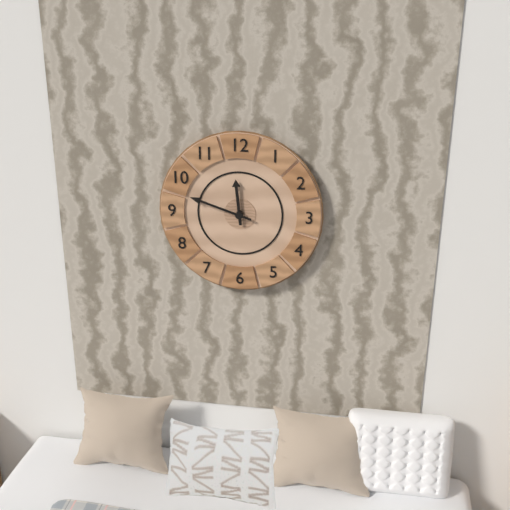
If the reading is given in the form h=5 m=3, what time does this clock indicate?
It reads h=11 m=48
